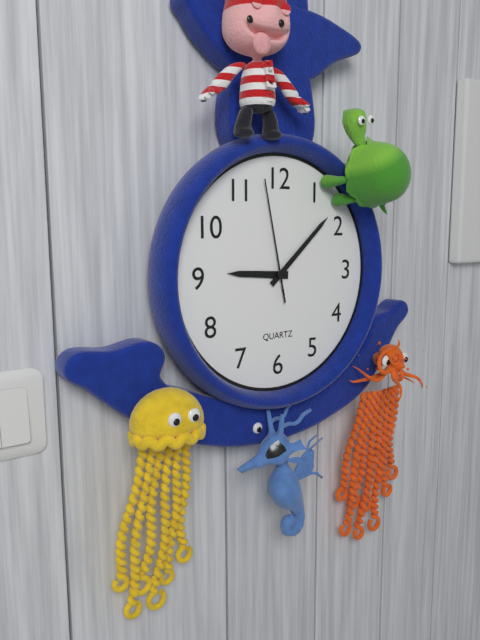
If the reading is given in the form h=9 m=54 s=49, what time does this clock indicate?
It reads h=9 m=8 s=58
